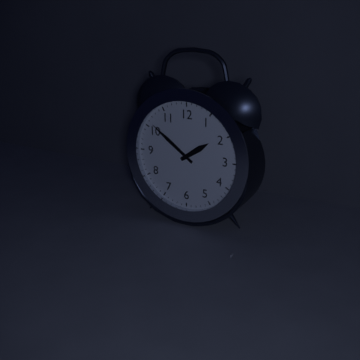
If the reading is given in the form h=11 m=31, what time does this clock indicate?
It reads h=1 m=51
